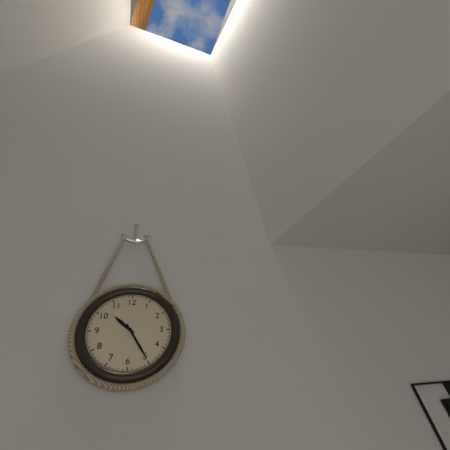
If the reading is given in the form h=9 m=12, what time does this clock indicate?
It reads h=10 m=25
